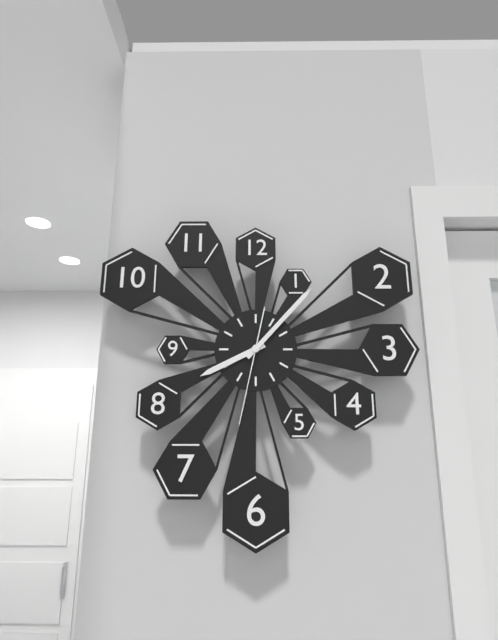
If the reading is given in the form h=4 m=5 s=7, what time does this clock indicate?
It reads h=8 m=7 s=32
